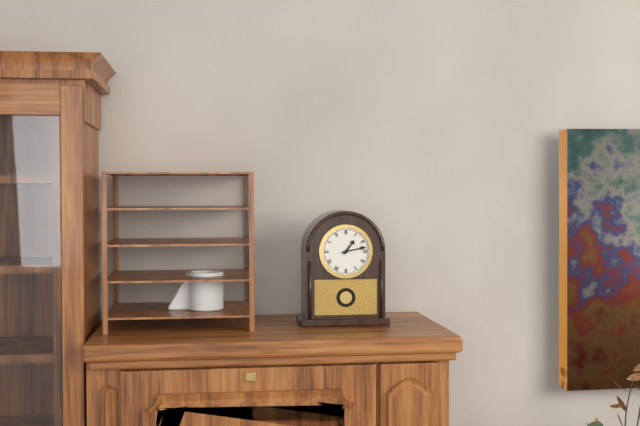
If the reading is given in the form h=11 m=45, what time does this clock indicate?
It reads h=1 m=13
